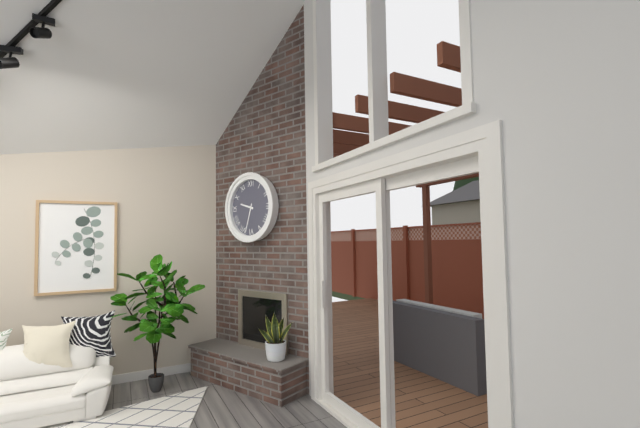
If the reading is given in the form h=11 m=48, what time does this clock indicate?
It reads h=9 m=33
